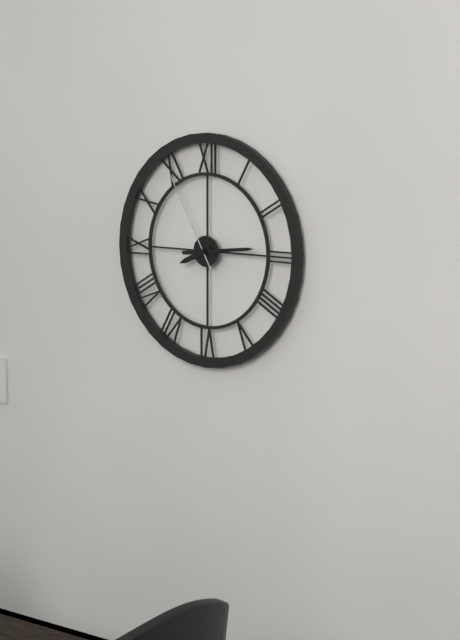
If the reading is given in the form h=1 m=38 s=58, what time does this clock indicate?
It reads h=8 m=14 s=55
